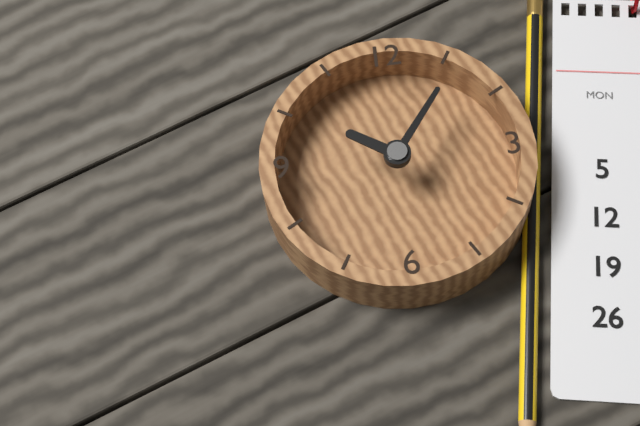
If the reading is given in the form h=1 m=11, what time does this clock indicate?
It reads h=10 m=6
